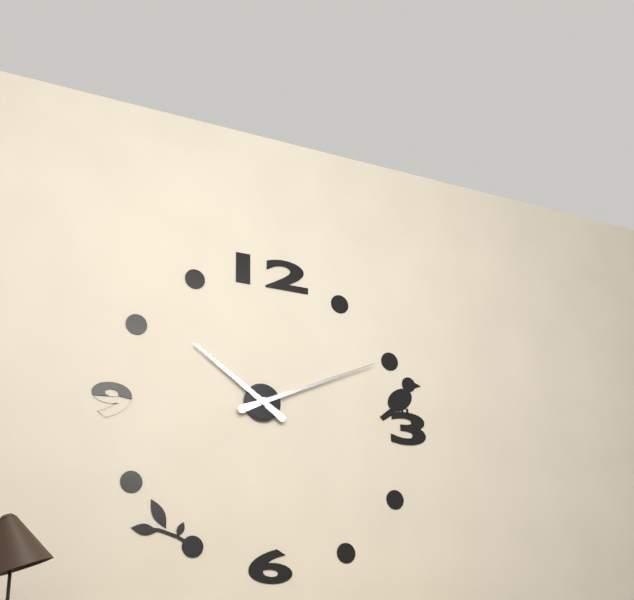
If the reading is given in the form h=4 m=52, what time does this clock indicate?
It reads h=10 m=11
